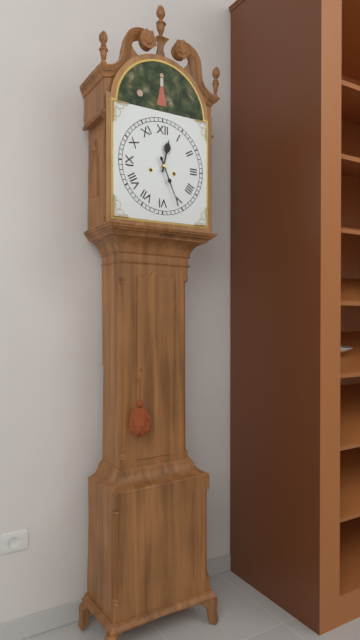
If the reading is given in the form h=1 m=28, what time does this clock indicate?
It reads h=12 m=26
